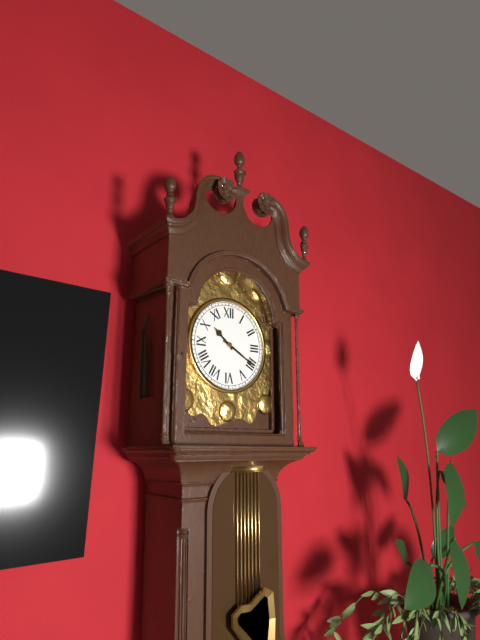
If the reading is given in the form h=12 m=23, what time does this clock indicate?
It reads h=10 m=20
